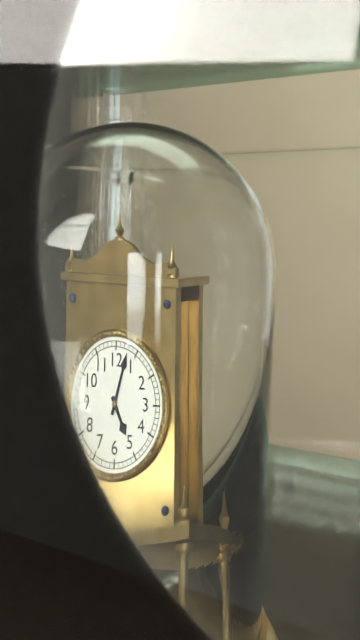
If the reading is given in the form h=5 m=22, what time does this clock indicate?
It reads h=5 m=3
